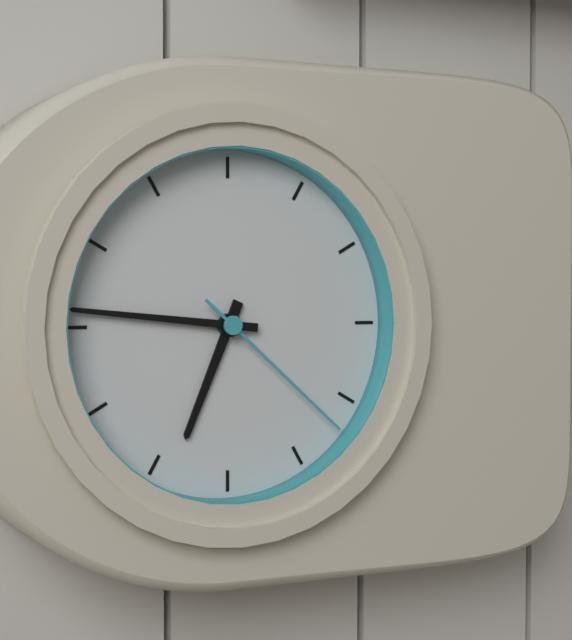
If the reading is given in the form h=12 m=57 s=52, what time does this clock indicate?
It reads h=6 m=46 s=22
